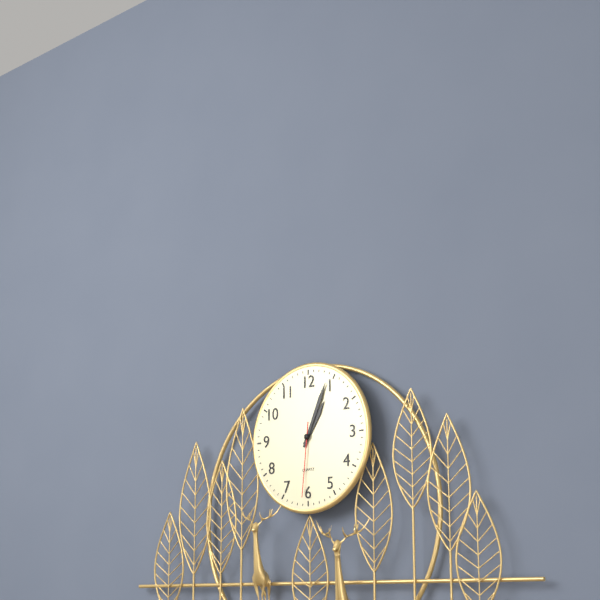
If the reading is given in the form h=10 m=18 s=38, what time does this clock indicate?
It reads h=1 m=4 s=31
